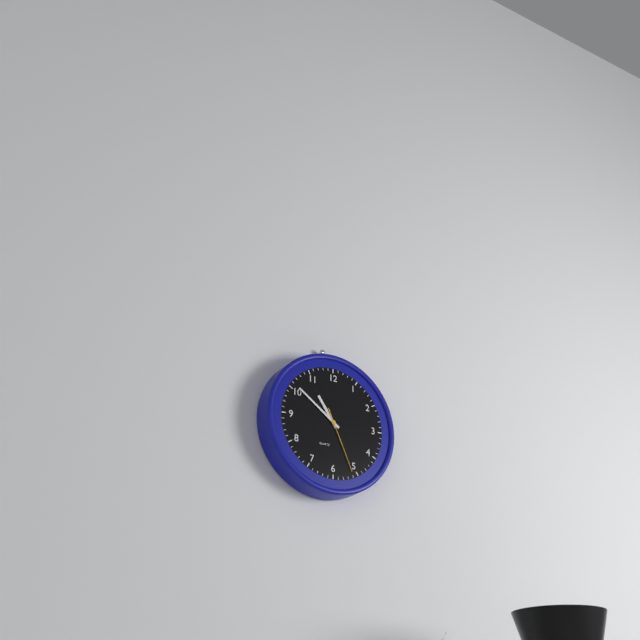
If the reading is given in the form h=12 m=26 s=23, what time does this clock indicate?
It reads h=10 m=51 s=26
